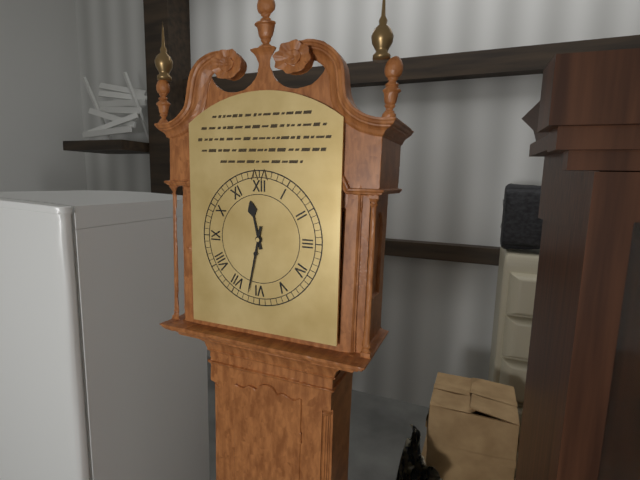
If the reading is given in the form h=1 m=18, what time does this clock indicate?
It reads h=11 m=32
